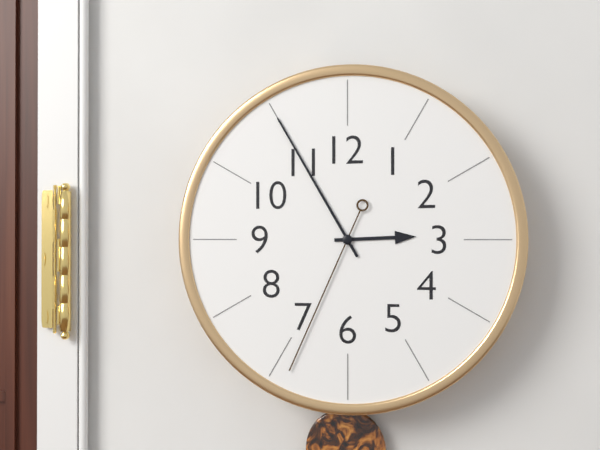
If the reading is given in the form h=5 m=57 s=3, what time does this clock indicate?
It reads h=2 m=55 s=34
